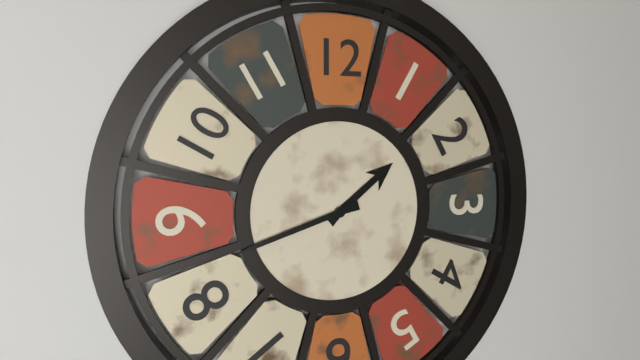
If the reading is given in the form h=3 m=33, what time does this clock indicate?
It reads h=1 m=42
